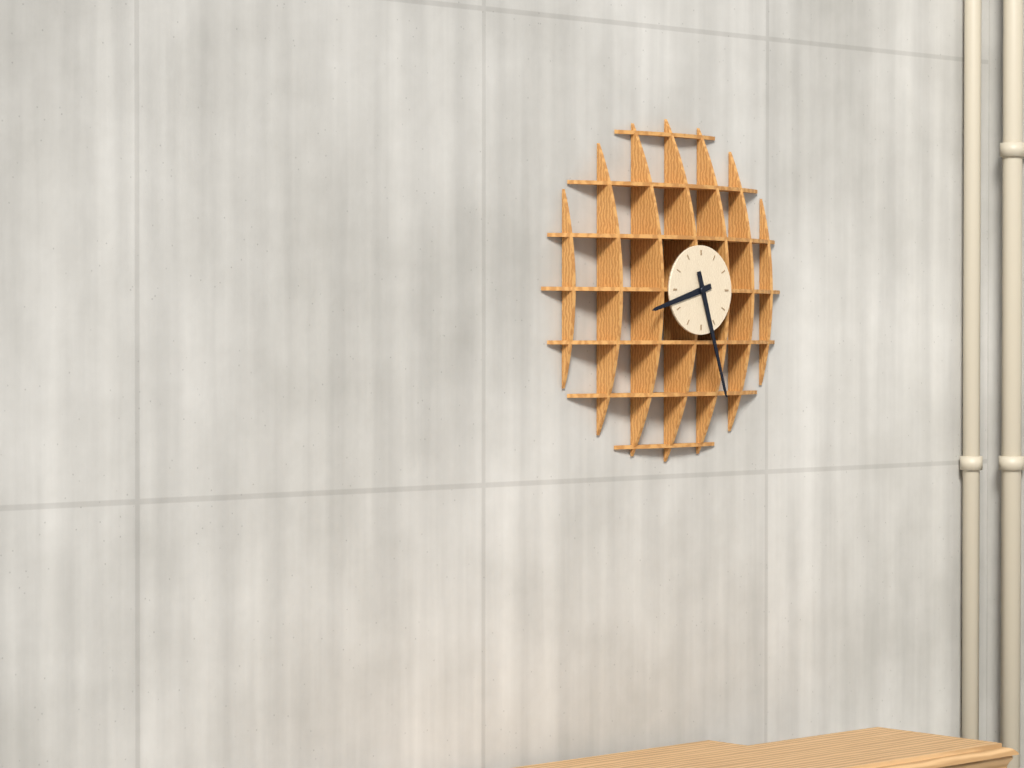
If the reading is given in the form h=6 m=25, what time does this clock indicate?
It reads h=8 m=27
